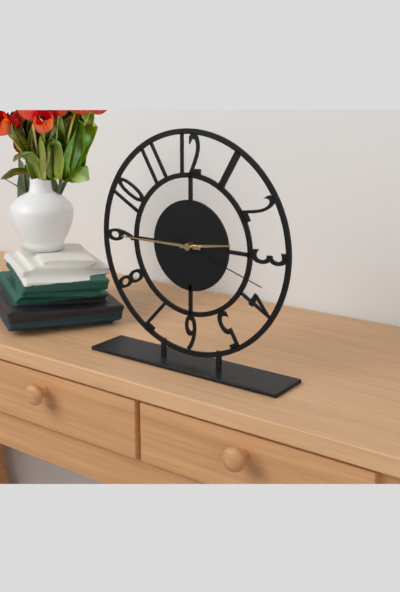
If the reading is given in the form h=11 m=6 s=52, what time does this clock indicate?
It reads h=2 m=45 s=18
